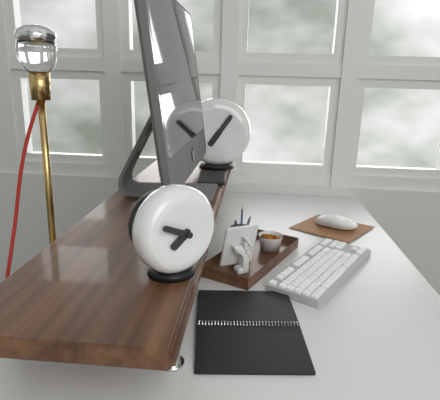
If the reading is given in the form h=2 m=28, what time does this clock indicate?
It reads h=7 m=49
